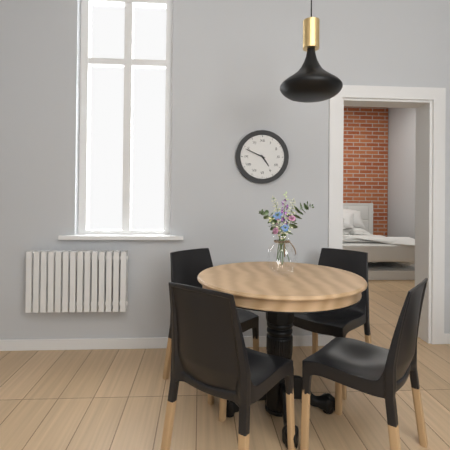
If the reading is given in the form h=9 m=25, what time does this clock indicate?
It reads h=4 m=49
